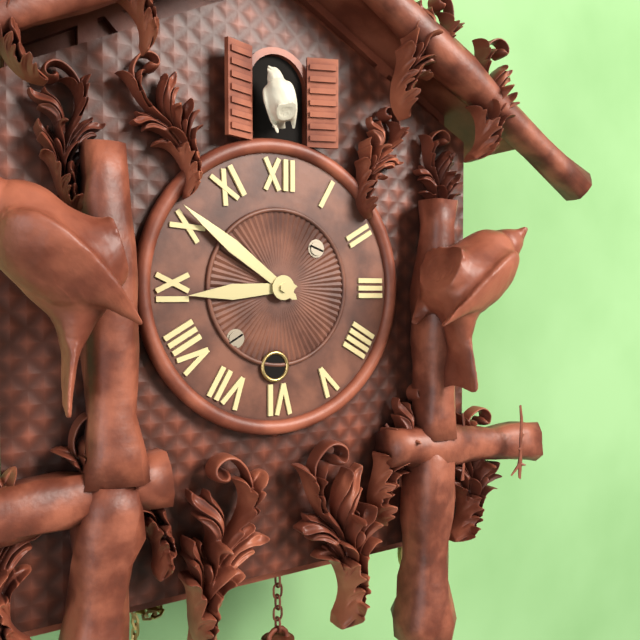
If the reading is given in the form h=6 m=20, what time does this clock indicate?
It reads h=8 m=51
